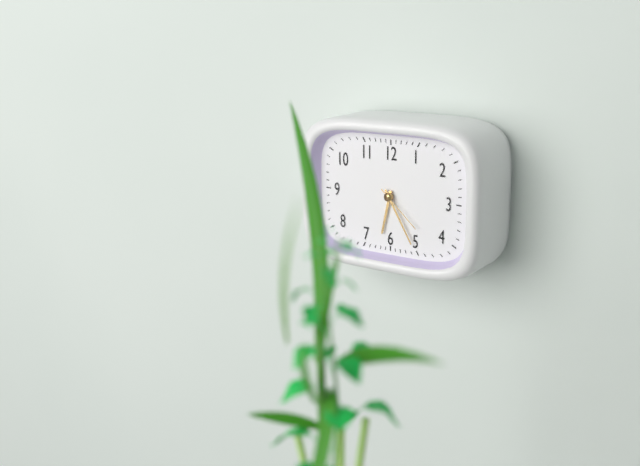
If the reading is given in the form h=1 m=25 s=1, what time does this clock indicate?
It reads h=6 m=25 s=22
